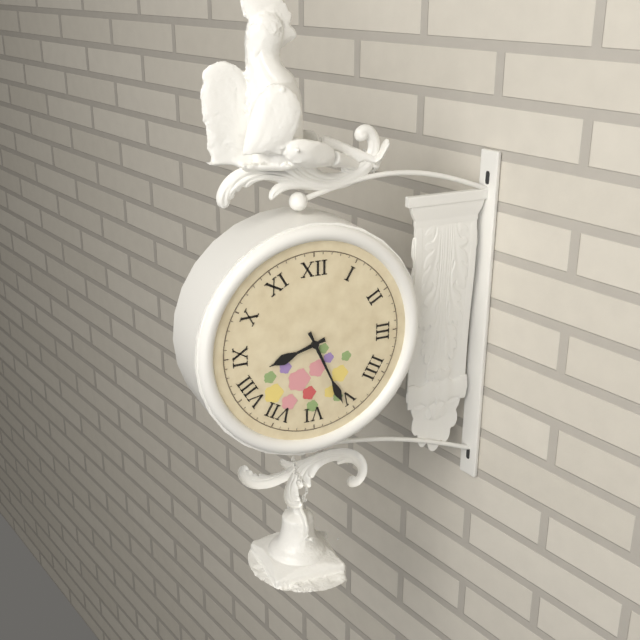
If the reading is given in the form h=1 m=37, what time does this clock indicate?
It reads h=8 m=26
